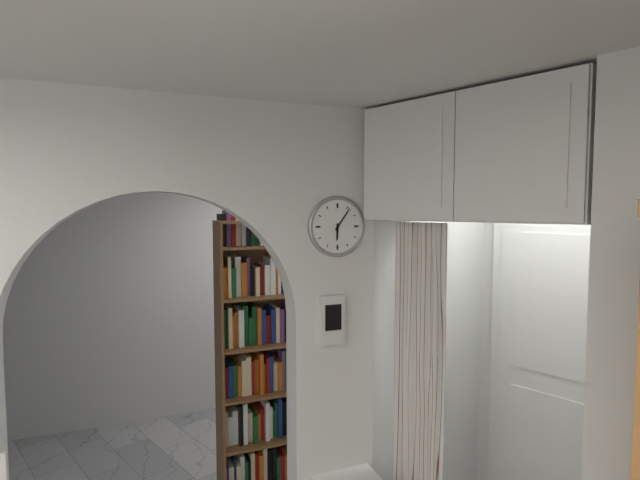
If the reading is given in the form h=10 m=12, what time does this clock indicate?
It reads h=6 m=6
